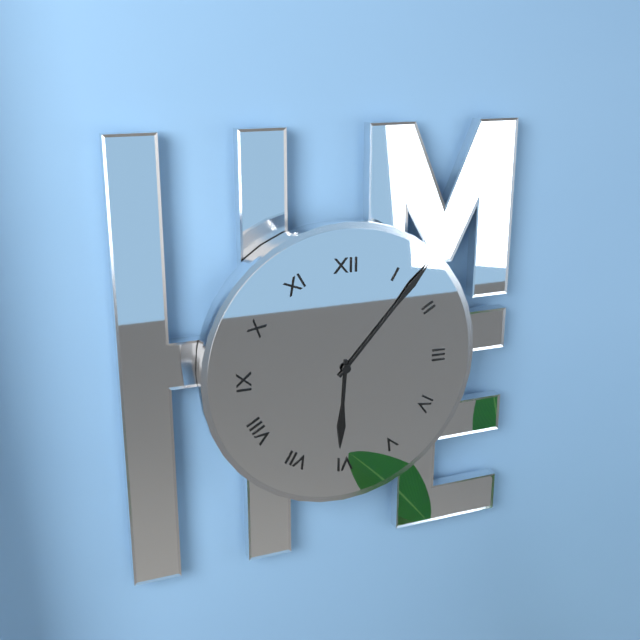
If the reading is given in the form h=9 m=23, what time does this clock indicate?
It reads h=6 m=7
